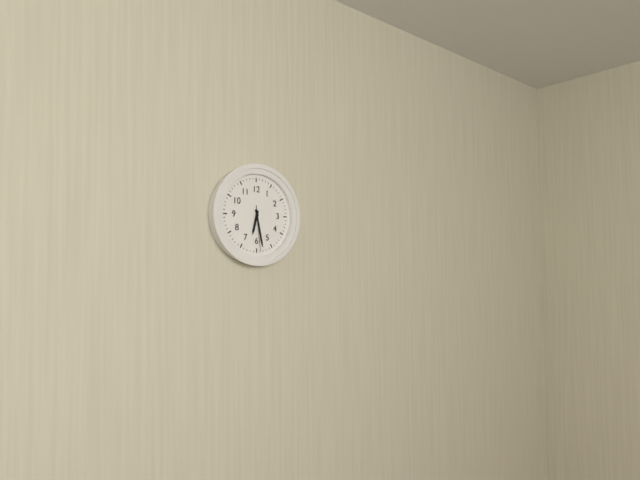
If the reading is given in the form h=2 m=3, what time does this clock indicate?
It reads h=6 m=28
